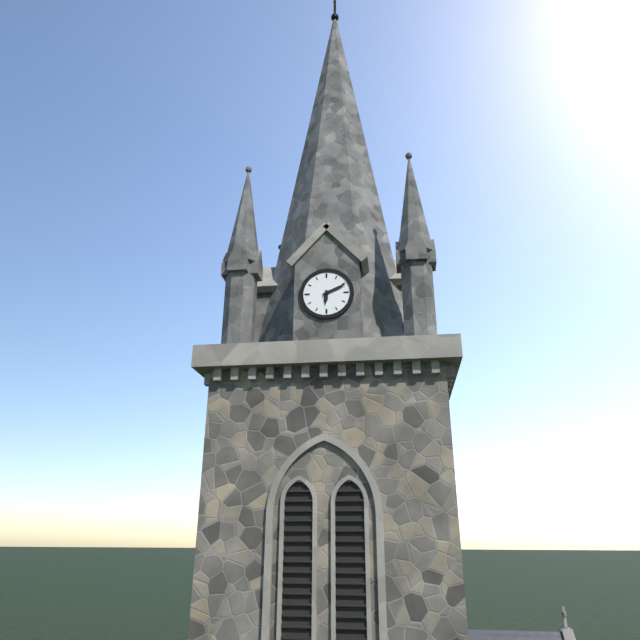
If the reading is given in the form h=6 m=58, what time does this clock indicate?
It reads h=6 m=11
